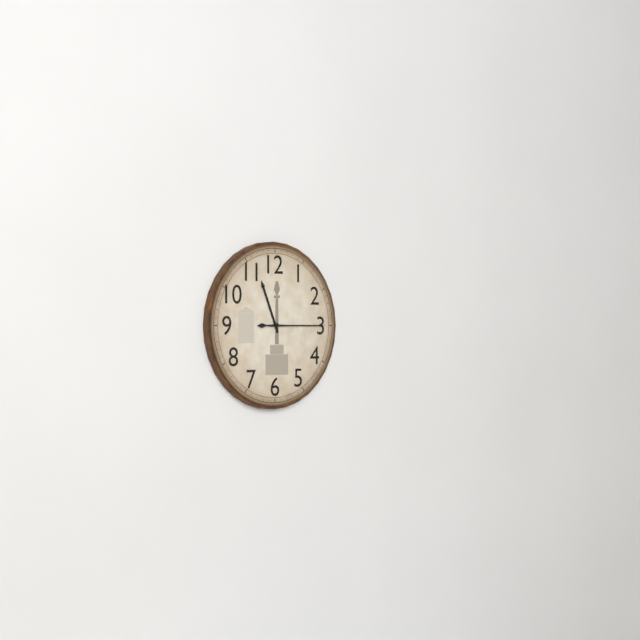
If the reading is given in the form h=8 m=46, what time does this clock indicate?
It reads h=11 m=15
